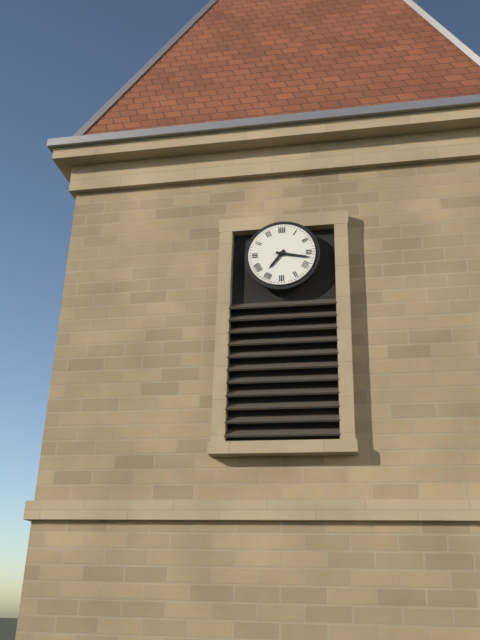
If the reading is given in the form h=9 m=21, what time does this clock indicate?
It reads h=7 m=17
